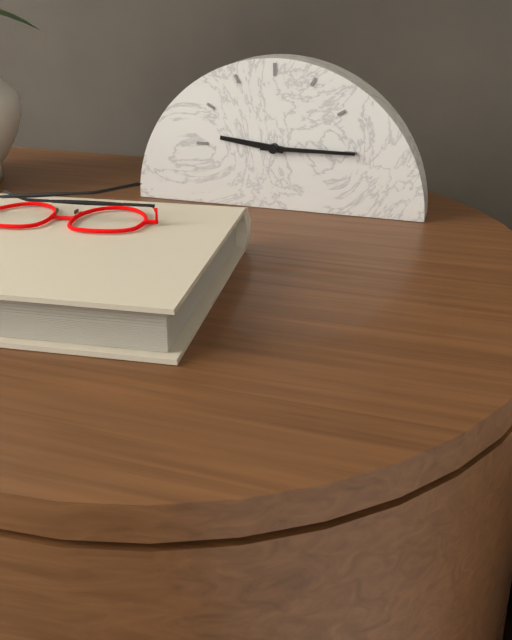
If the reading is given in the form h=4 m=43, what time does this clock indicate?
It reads h=9 m=15
